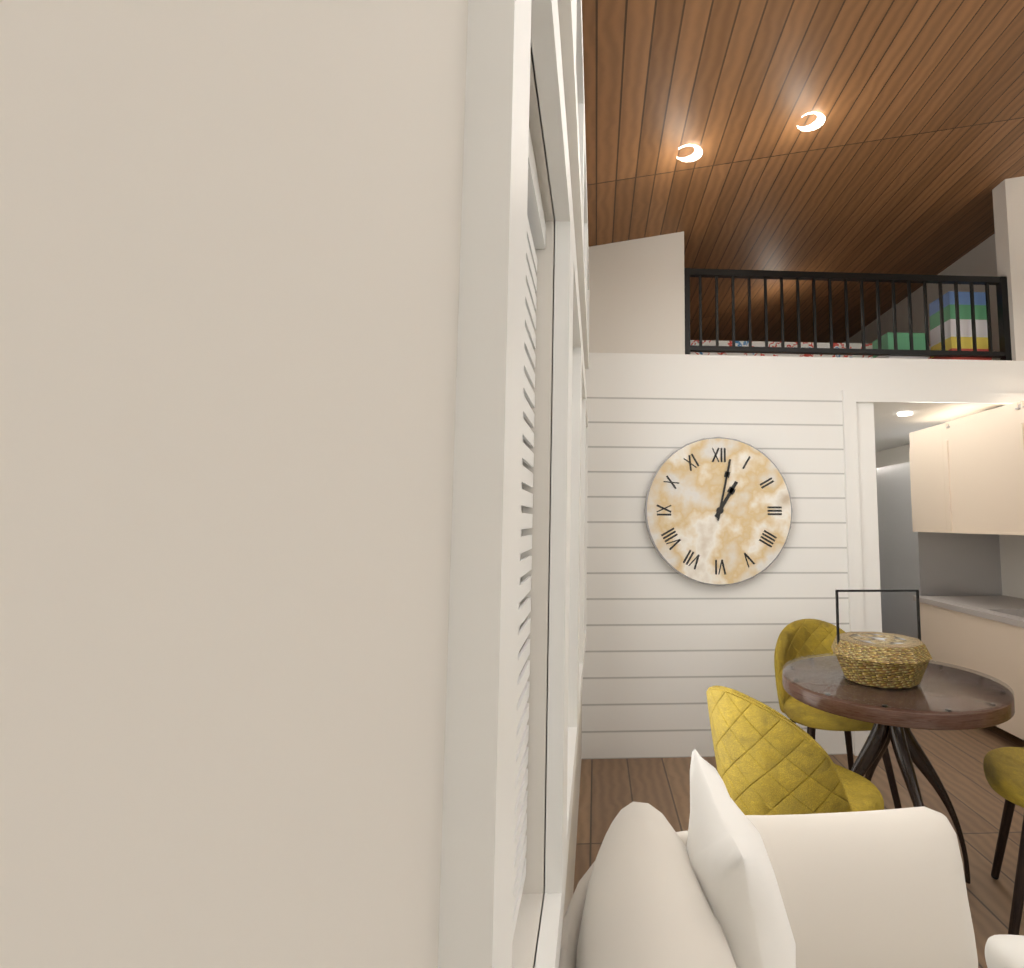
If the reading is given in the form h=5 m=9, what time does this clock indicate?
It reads h=1 m=2
